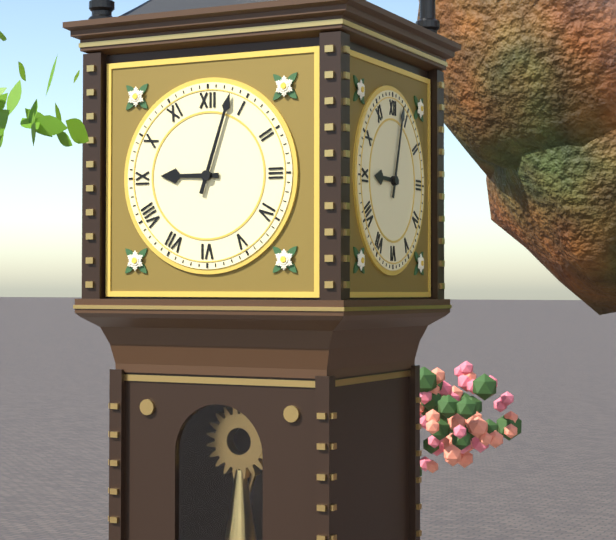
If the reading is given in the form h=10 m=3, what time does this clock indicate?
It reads h=9 m=3
